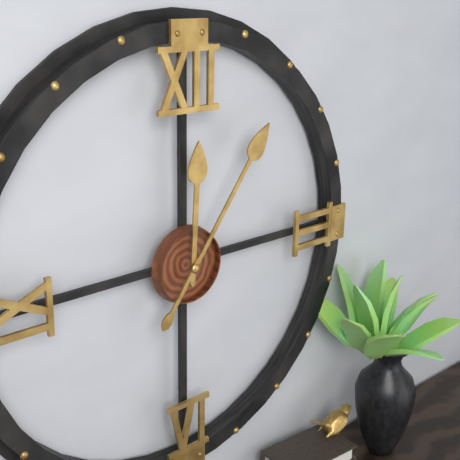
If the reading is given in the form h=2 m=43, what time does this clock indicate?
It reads h=12 m=6
